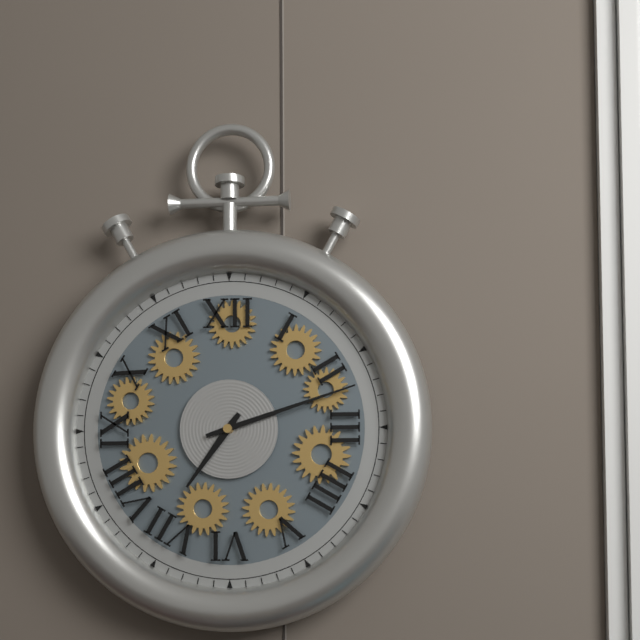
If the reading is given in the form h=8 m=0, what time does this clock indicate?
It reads h=7 m=12
